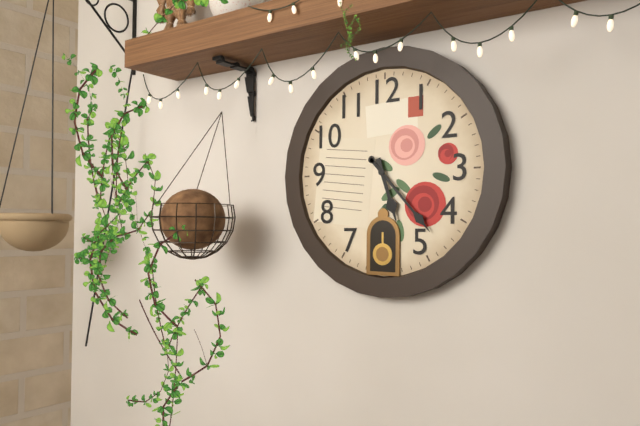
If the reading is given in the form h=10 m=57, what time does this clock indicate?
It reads h=5 m=23
